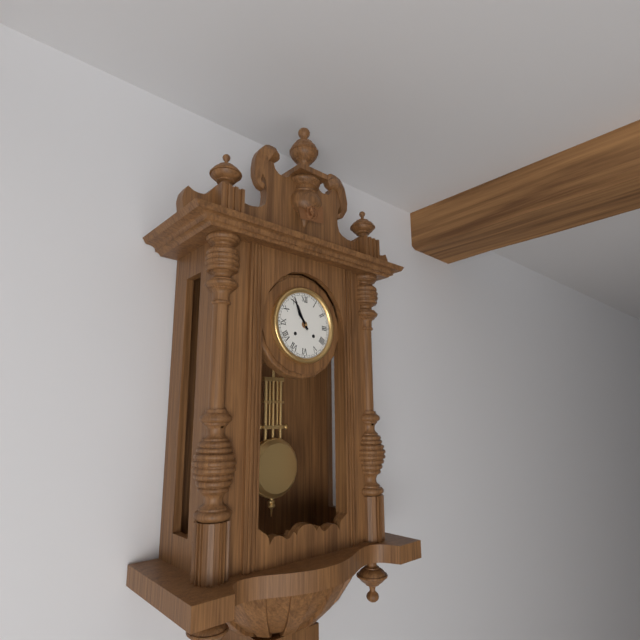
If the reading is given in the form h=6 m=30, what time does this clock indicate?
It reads h=10 m=55
